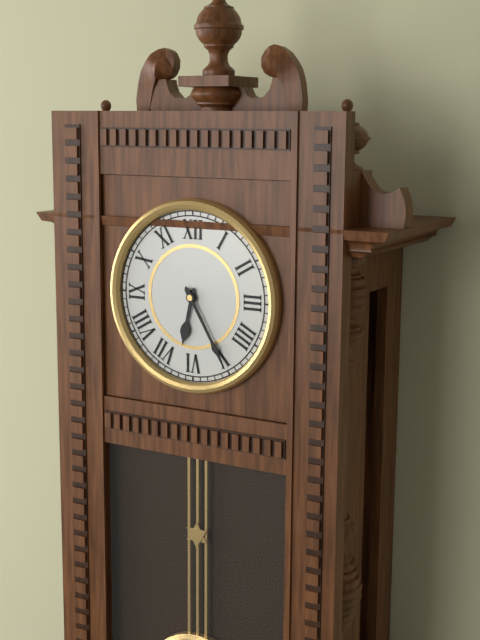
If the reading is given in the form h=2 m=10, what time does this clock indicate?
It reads h=6 m=25
